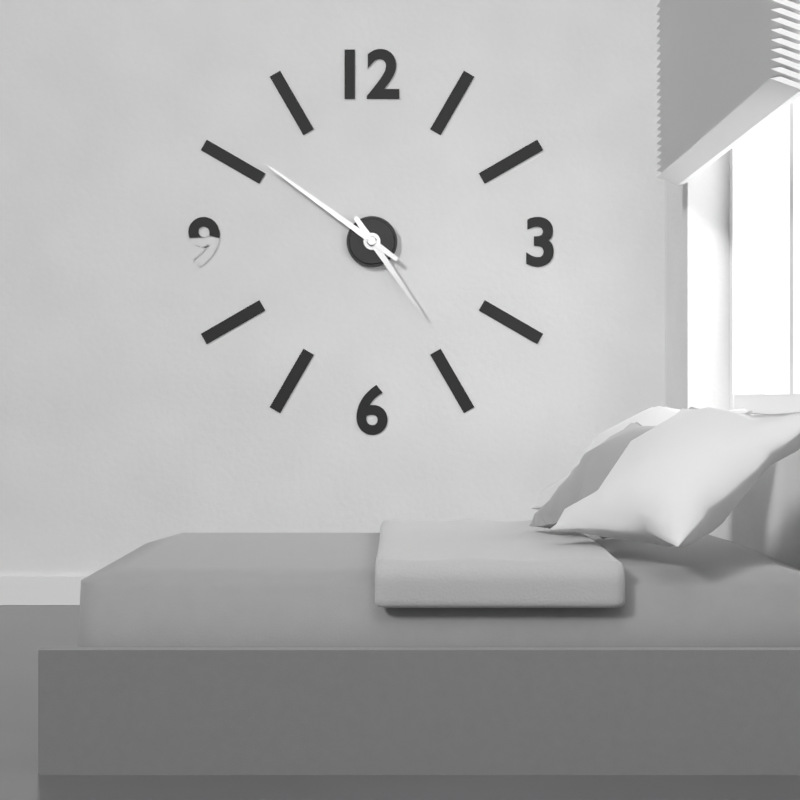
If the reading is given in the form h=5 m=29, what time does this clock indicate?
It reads h=4 m=51
